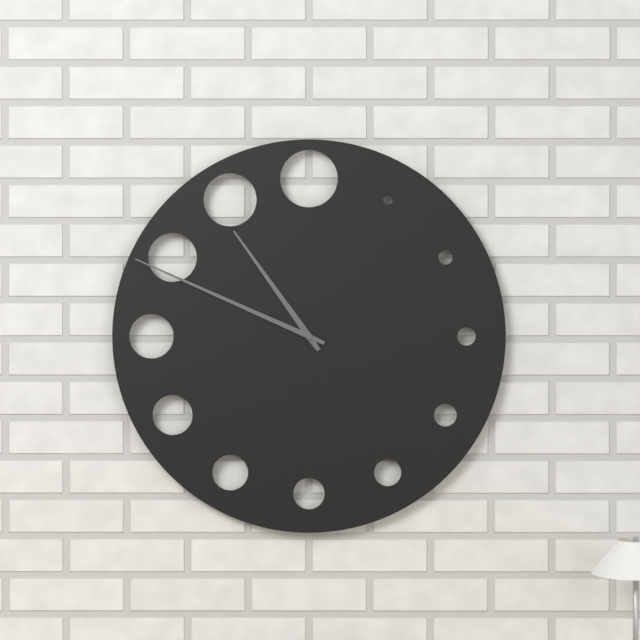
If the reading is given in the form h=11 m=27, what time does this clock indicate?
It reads h=10 m=49
